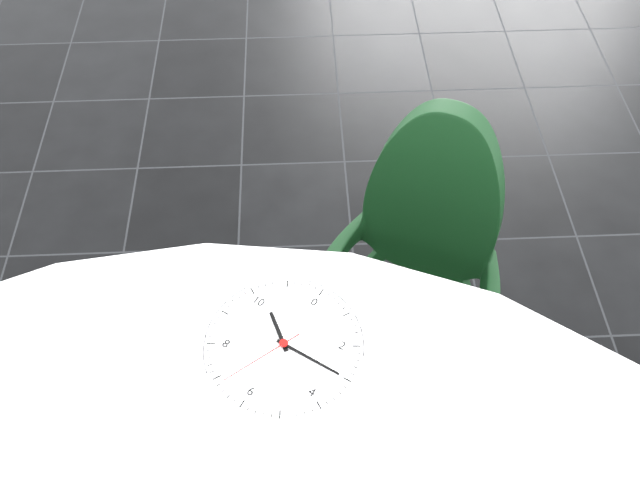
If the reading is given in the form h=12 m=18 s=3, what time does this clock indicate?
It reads h=10 m=15 s=34
